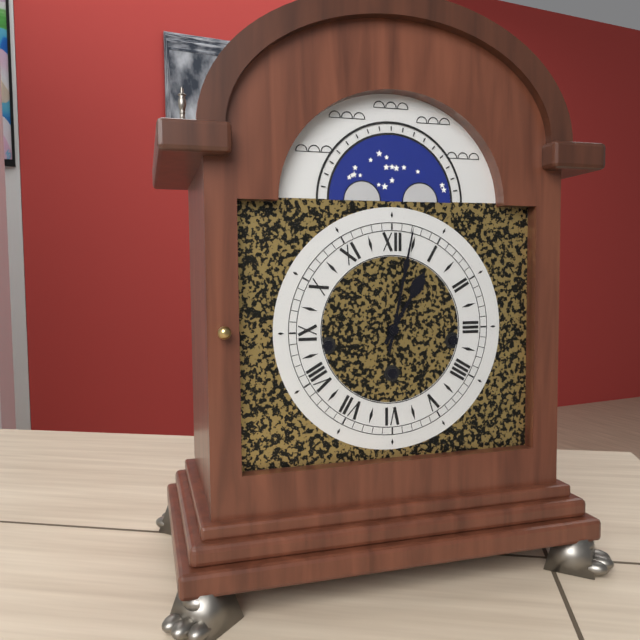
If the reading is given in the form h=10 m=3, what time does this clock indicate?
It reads h=1 m=2
